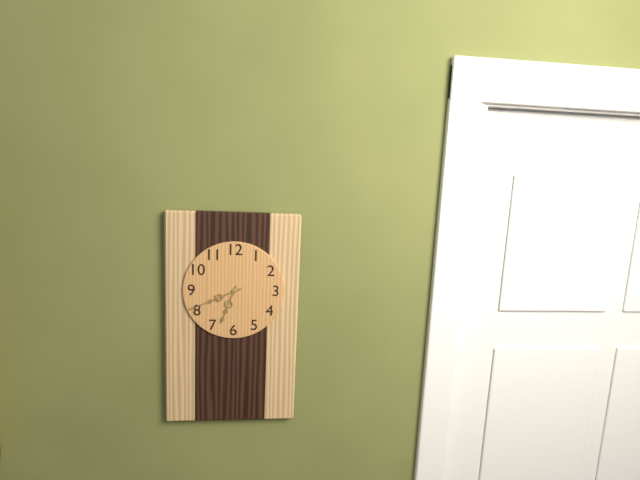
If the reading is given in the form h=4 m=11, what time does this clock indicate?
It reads h=6 m=41
